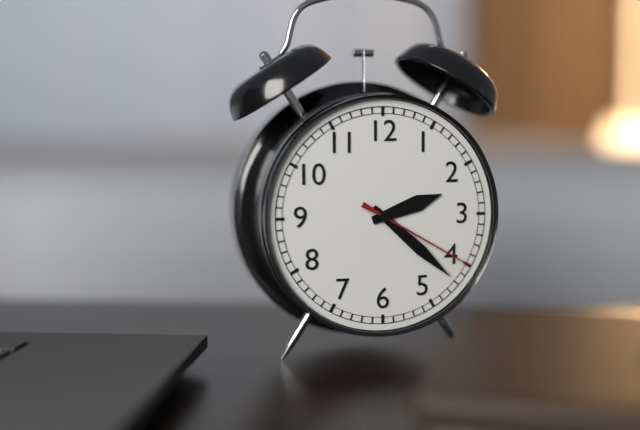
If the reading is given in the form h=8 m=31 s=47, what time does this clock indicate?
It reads h=2 m=22 s=20
